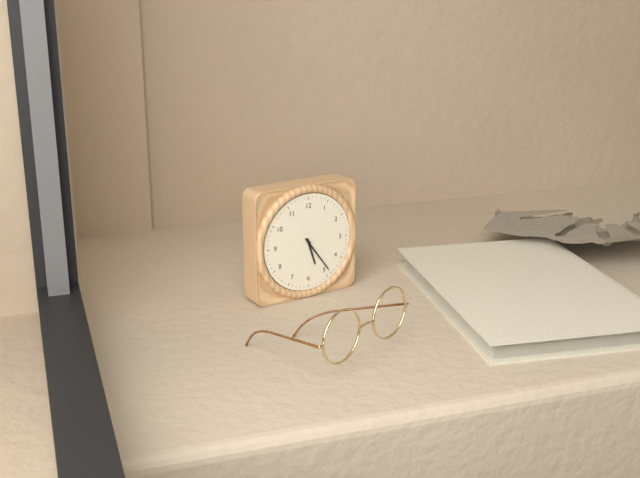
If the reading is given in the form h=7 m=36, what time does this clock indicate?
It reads h=5 m=24
